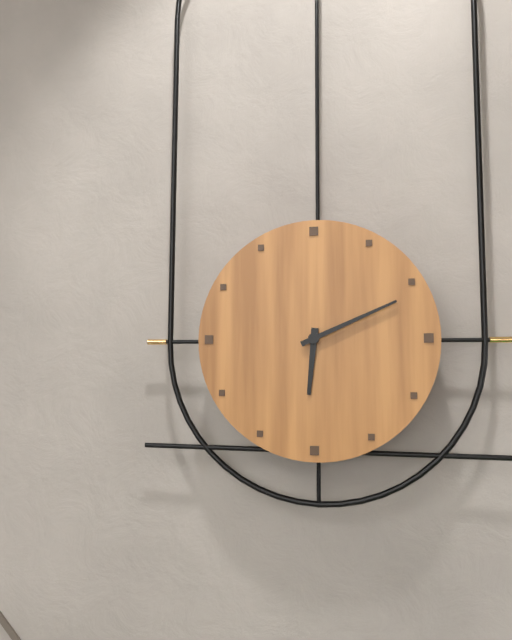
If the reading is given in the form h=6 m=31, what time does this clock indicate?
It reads h=6 m=11
